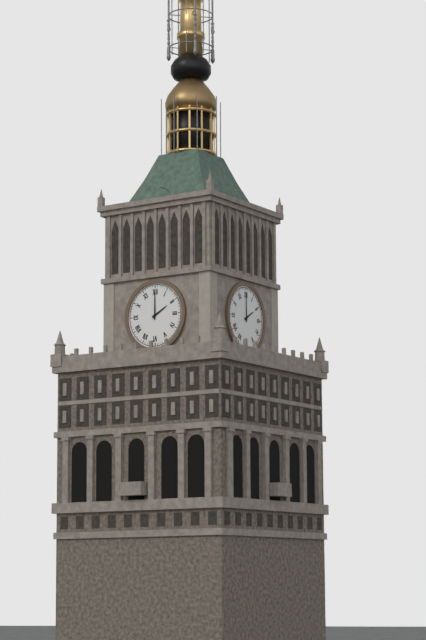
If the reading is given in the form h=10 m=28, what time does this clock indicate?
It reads h=2 m=0
